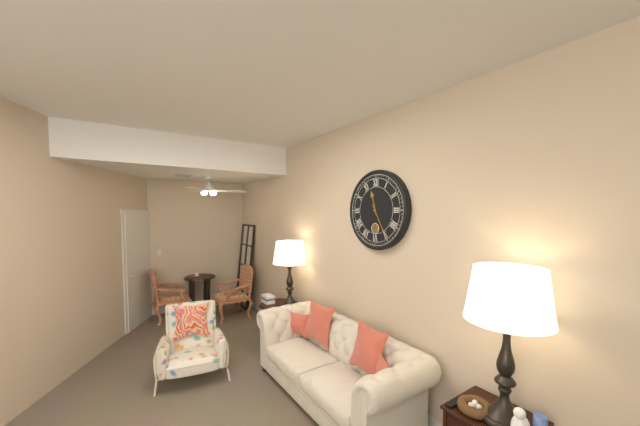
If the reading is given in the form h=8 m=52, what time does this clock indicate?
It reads h=11 m=25
